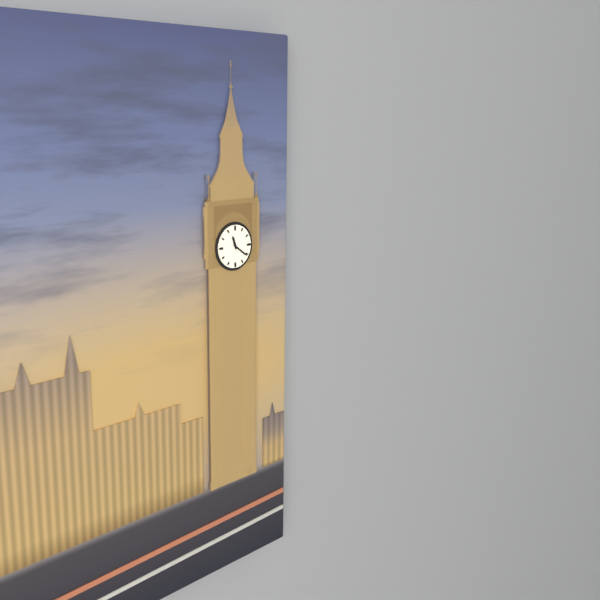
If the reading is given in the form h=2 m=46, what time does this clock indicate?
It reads h=11 m=21
